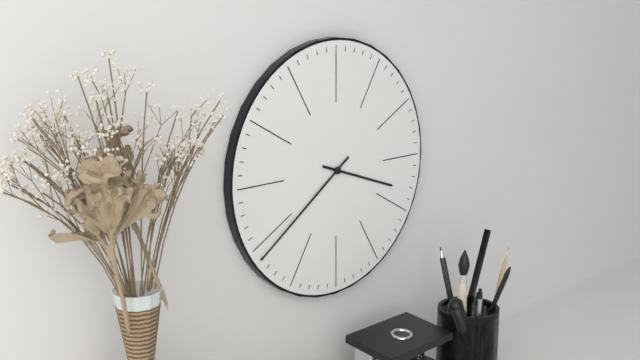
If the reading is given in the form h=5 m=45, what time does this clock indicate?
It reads h=3 m=39
